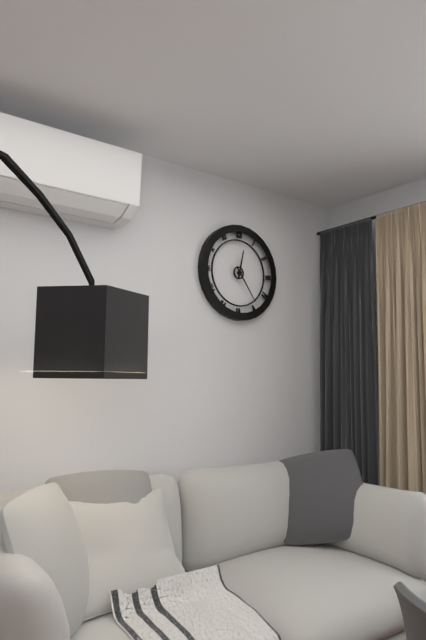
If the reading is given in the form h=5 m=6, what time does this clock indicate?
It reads h=12 m=24
